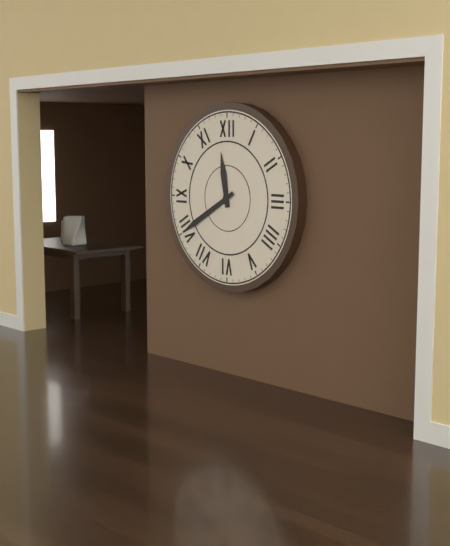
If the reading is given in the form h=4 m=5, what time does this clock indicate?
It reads h=11 m=40
